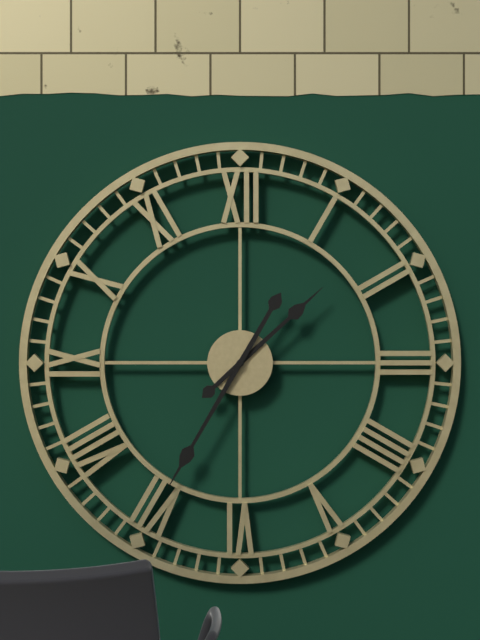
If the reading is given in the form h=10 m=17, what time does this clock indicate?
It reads h=1 m=35
